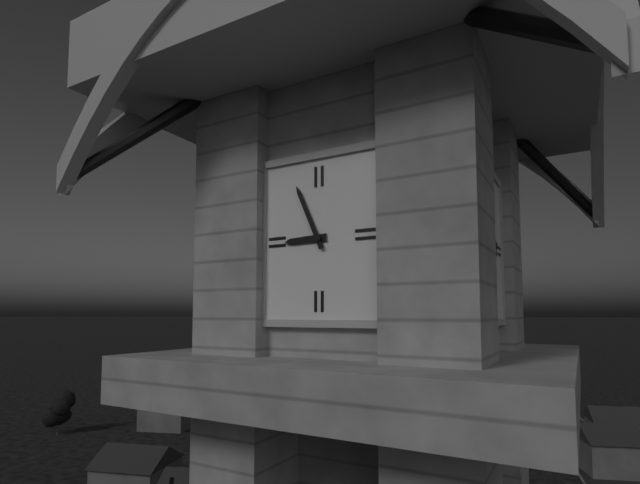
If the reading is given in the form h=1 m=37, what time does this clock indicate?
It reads h=8 m=56
